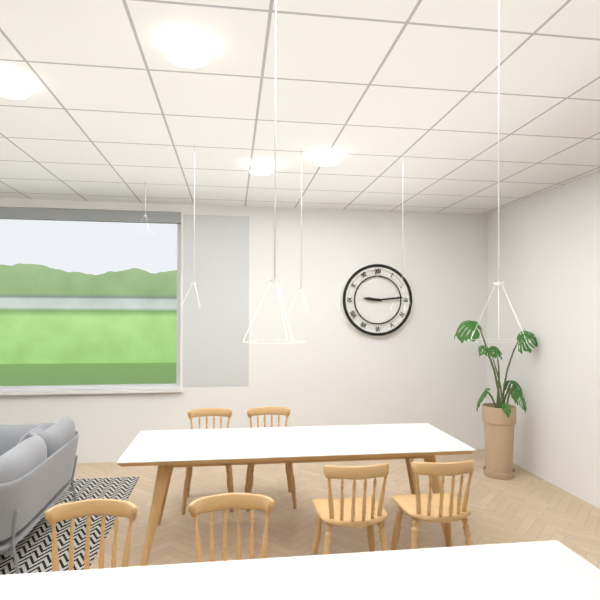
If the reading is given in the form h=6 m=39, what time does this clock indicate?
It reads h=9 m=14
